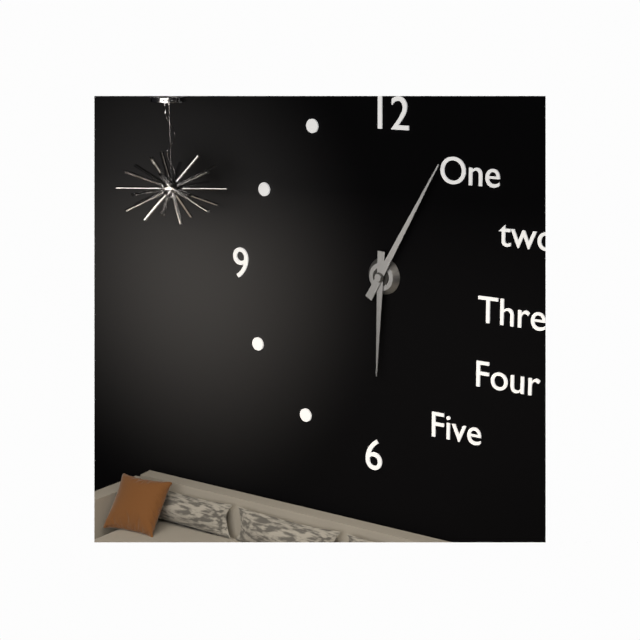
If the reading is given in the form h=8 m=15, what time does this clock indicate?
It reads h=6 m=5
